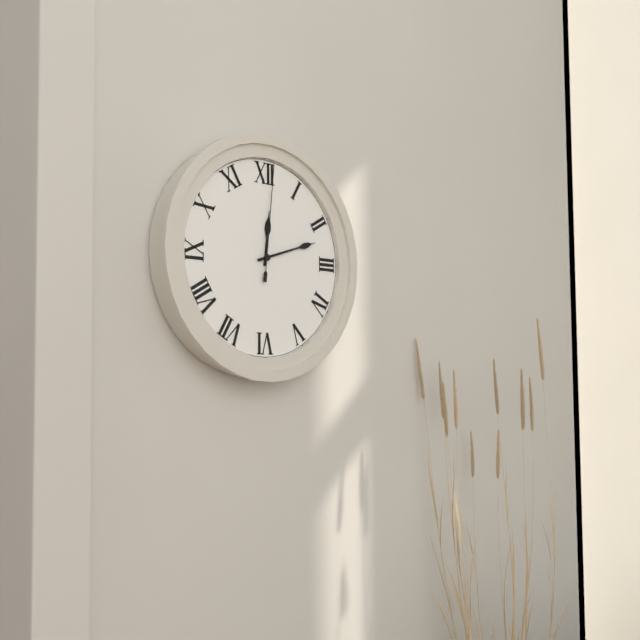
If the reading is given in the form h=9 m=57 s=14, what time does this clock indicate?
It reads h=12 m=12 s=1
